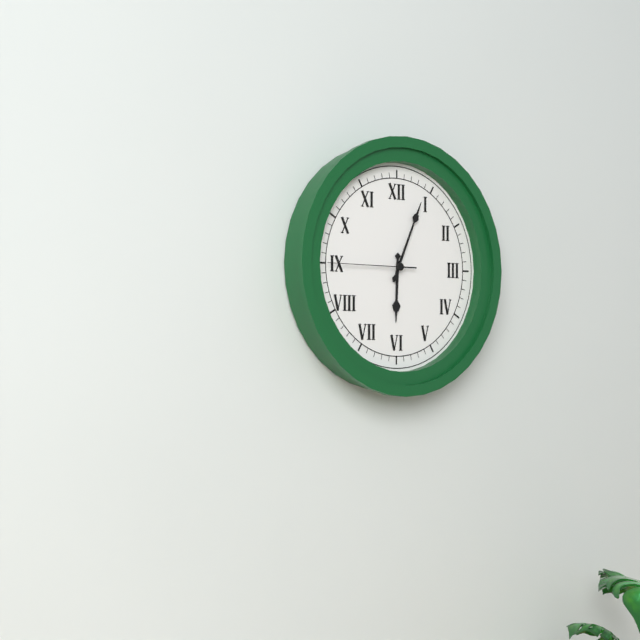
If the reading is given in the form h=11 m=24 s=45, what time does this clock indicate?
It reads h=6 m=4 s=45
